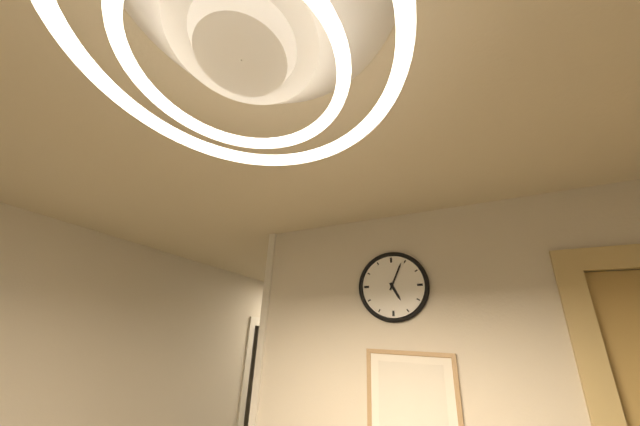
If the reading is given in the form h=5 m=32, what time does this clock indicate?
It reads h=5 m=4
